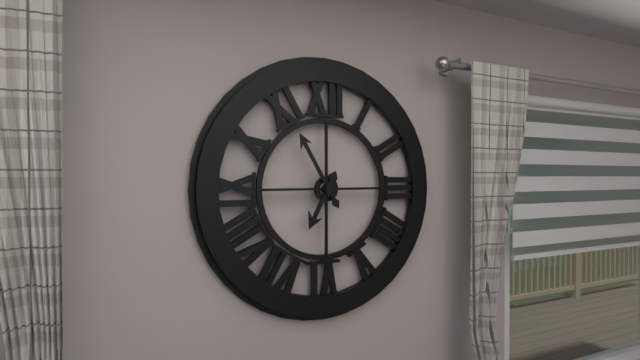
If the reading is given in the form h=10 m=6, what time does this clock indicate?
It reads h=6 m=55
